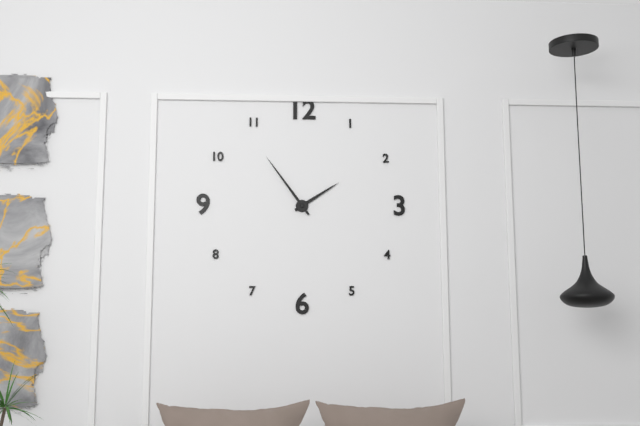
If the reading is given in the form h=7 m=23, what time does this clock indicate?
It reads h=1 m=54
